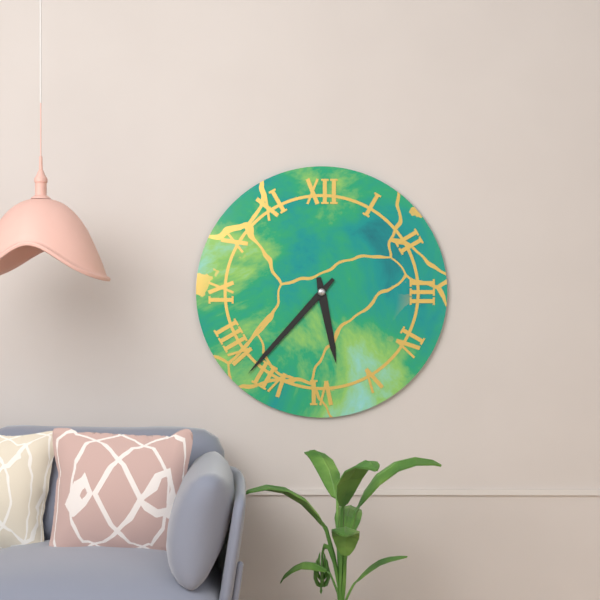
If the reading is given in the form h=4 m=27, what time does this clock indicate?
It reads h=5 m=37
